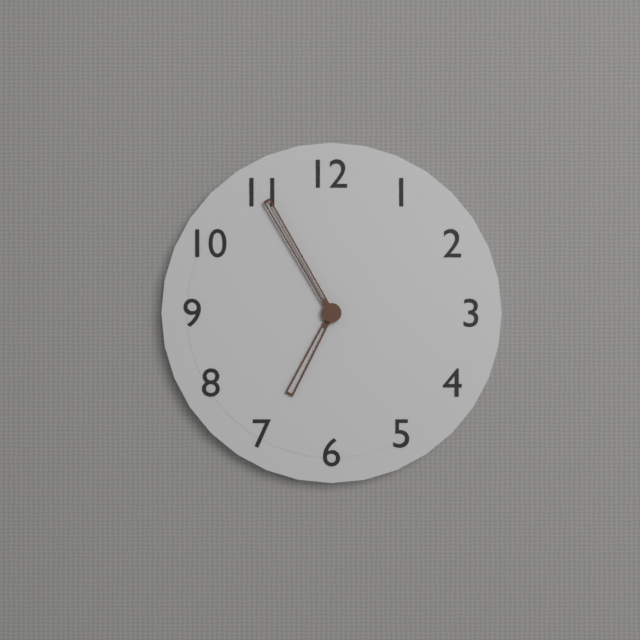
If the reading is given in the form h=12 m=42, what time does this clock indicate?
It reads h=6 m=55
